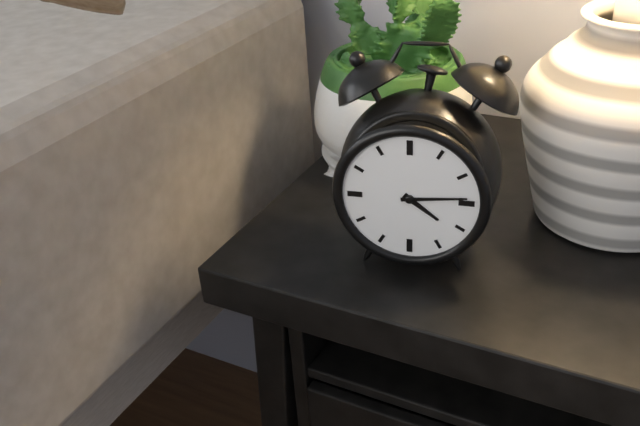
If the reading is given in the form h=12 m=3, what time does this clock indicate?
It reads h=4 m=14
